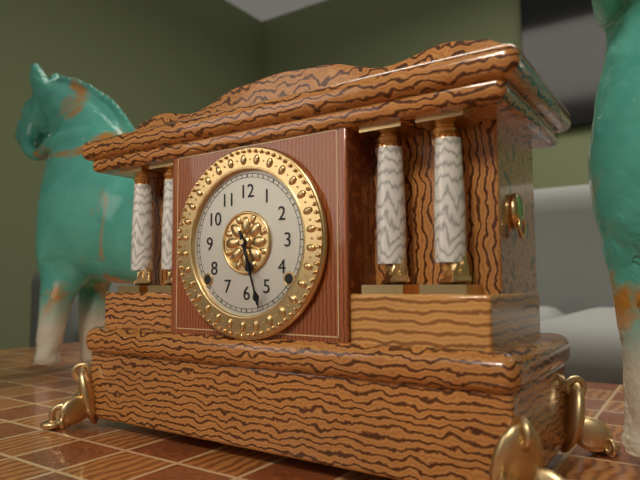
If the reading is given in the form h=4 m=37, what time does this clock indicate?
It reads h=5 m=27
